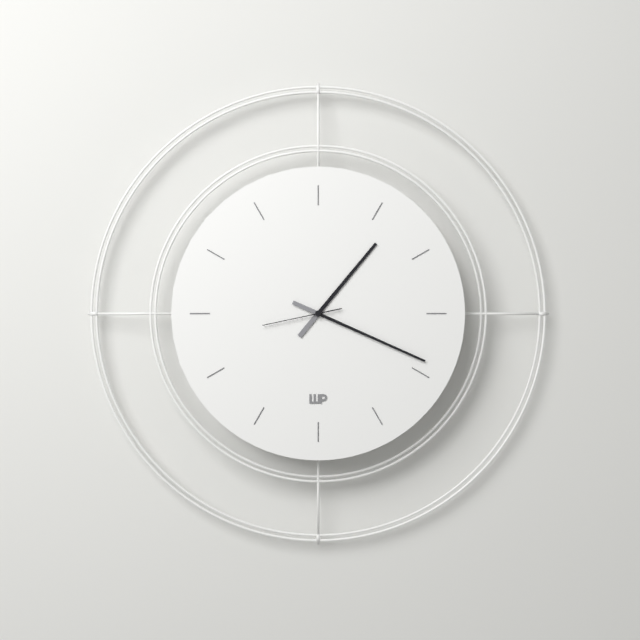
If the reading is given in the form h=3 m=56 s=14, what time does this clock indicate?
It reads h=1 m=19 s=43
